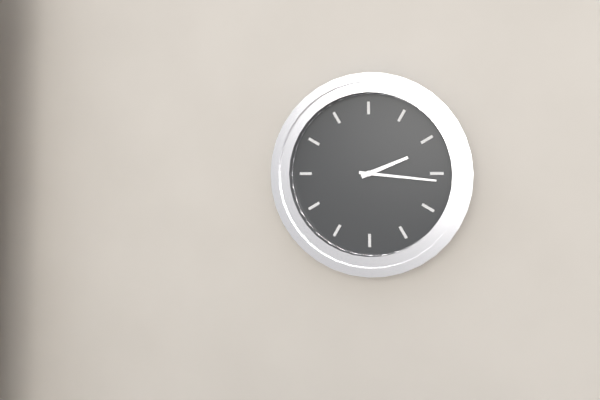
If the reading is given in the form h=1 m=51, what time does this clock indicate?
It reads h=2 m=16
